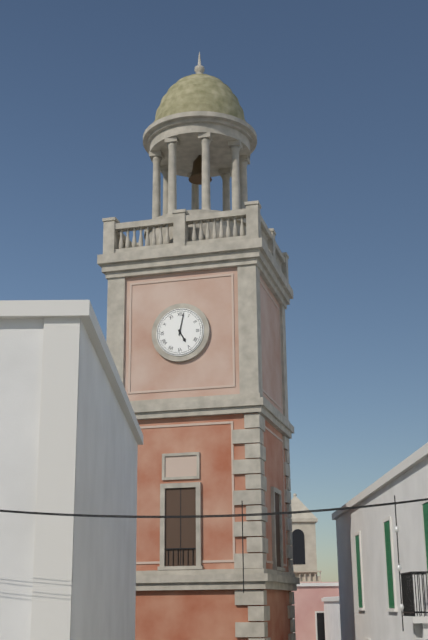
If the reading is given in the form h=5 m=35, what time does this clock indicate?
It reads h=5 m=2
